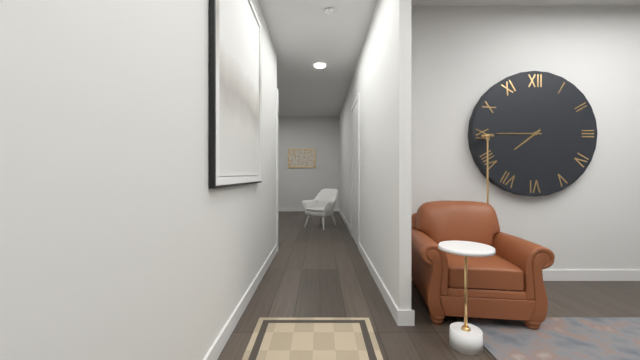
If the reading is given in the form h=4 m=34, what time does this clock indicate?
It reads h=7 m=45
